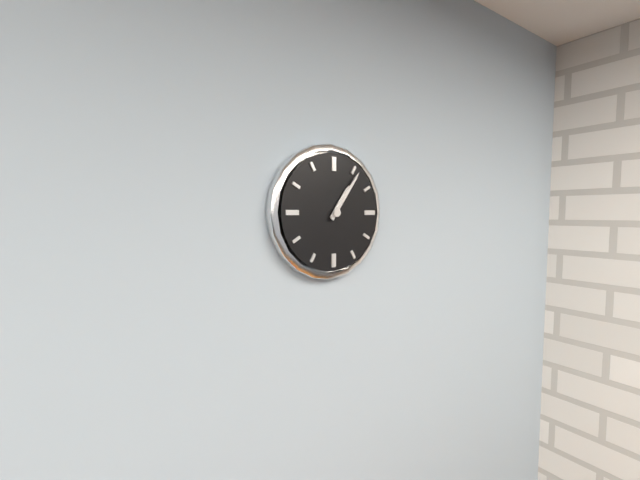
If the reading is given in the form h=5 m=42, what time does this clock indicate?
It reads h=1 m=6
